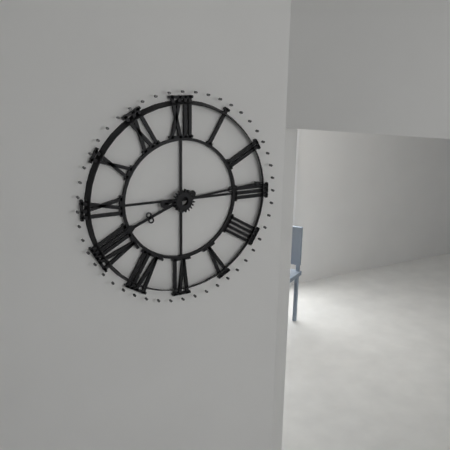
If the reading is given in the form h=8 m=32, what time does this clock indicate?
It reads h=8 m=14
